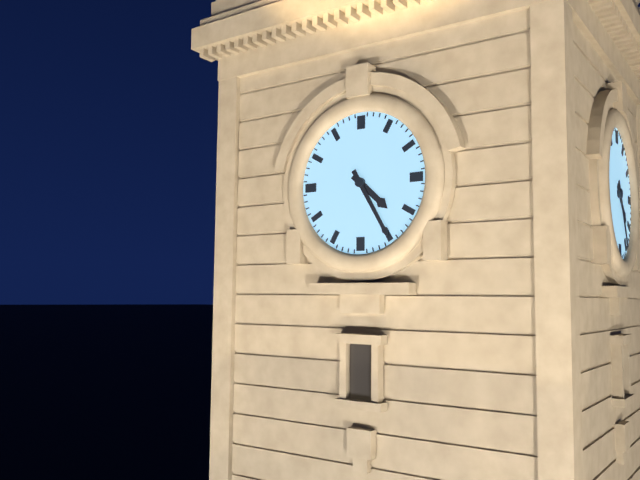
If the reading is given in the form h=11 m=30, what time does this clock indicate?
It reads h=4 m=25
